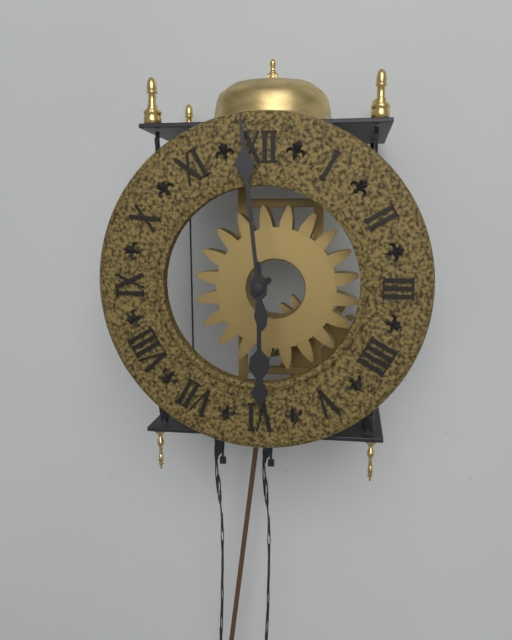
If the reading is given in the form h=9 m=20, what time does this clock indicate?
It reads h=5 m=59
